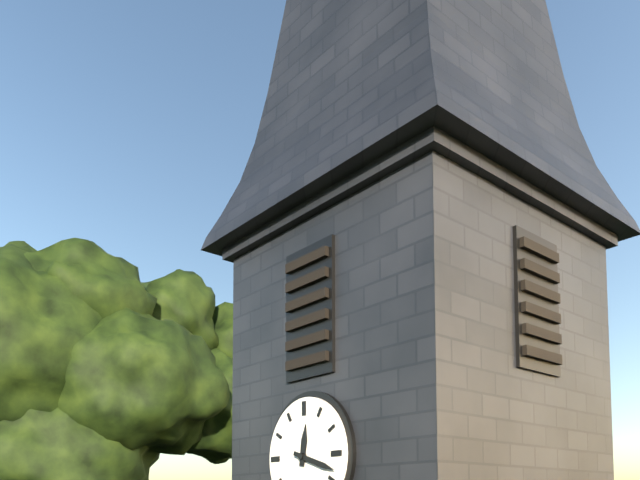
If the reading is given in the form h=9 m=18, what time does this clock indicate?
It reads h=12 m=18
